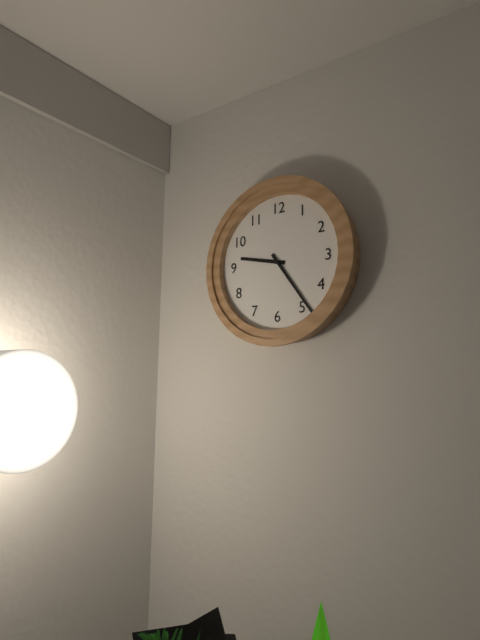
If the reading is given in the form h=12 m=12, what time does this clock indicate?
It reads h=9 m=24
